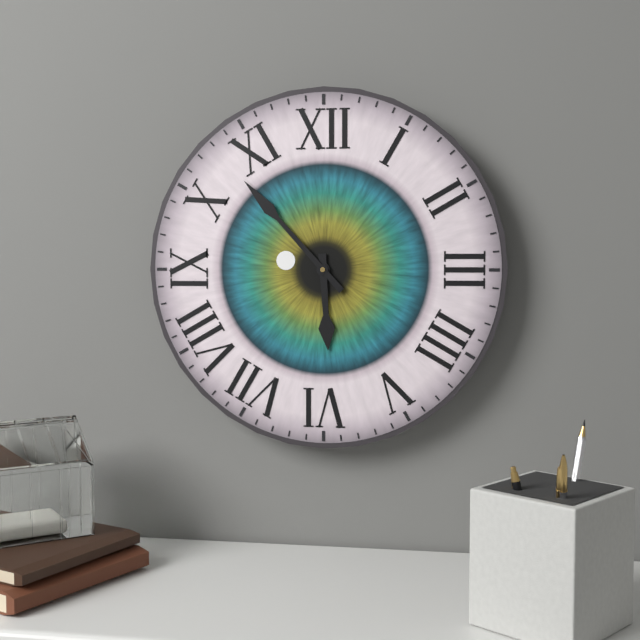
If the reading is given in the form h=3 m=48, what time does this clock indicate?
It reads h=5 m=53
